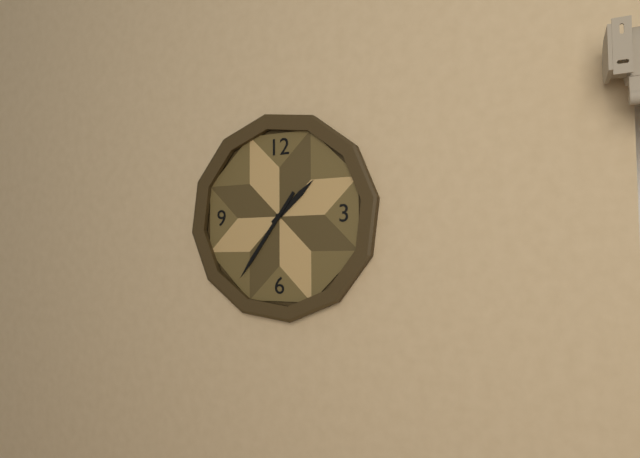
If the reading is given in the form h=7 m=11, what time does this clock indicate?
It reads h=1 m=36
